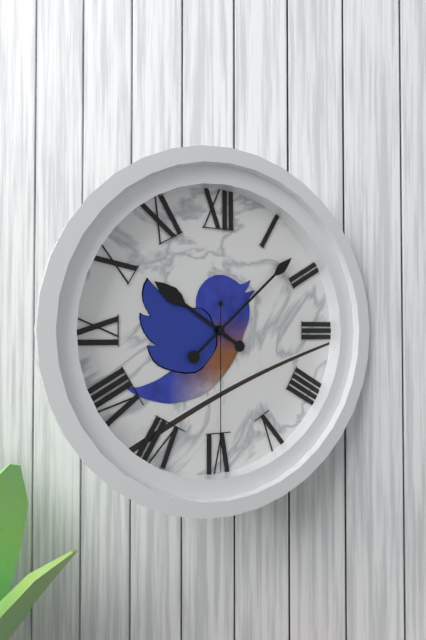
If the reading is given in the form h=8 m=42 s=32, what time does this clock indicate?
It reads h=10 m=8 s=30
